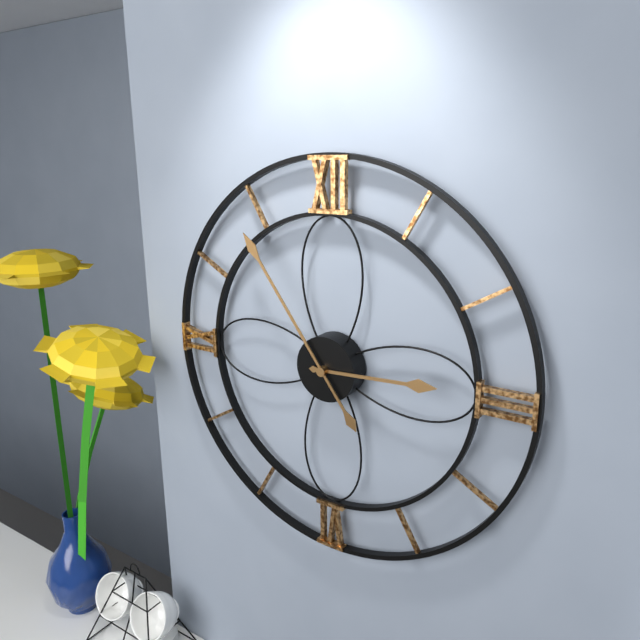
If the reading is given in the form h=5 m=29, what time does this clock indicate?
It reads h=2 m=54
